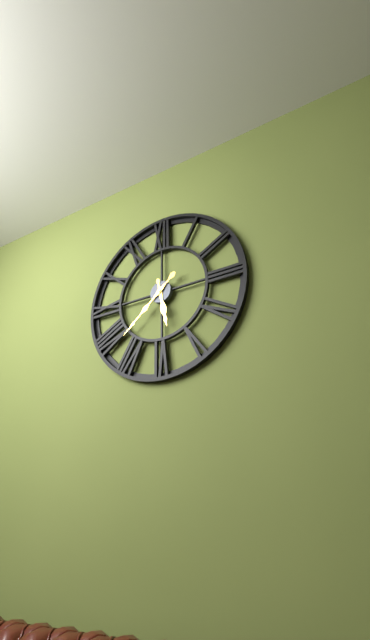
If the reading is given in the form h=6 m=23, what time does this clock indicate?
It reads h=5 m=38
